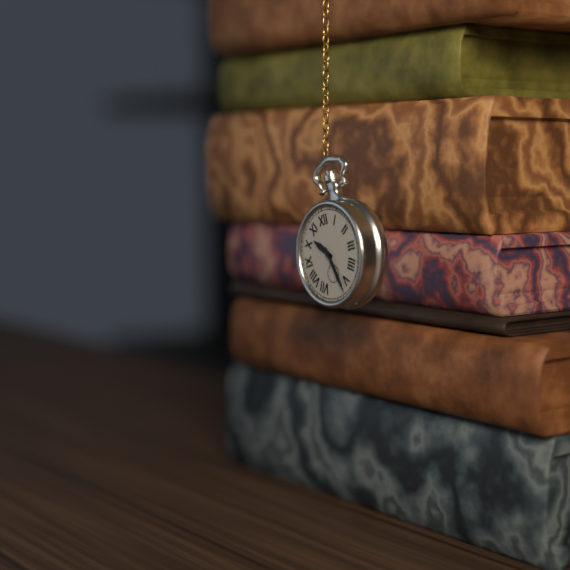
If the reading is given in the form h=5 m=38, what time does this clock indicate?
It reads h=10 m=27
